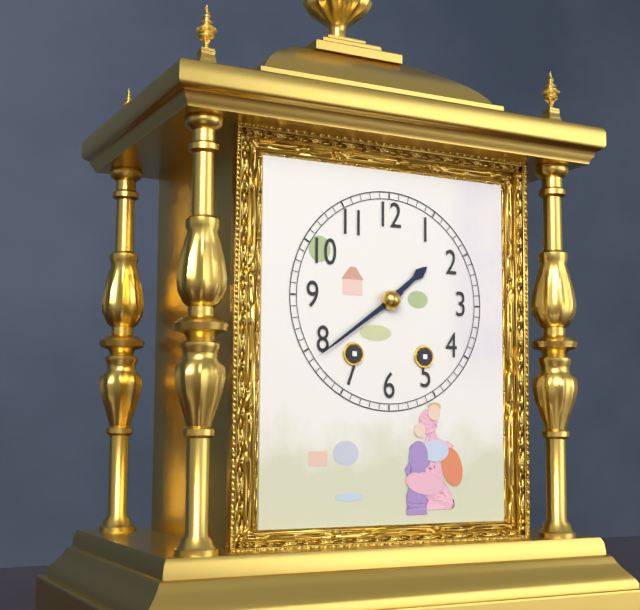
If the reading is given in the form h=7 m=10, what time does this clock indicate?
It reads h=1 m=39
